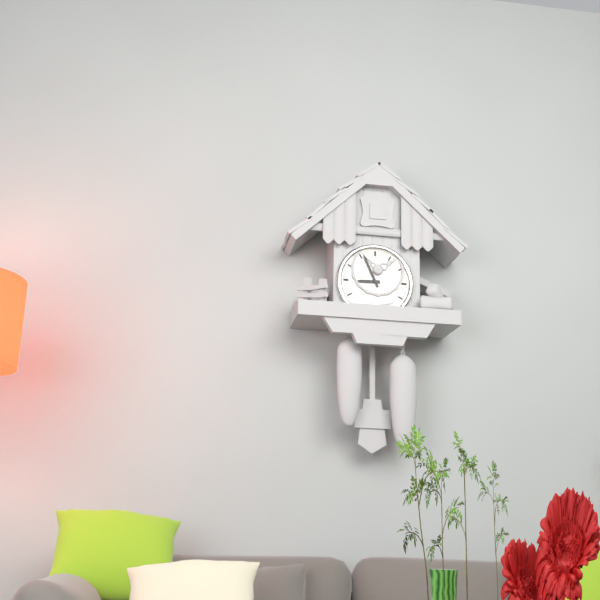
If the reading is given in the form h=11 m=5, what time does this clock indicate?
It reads h=8 m=56
